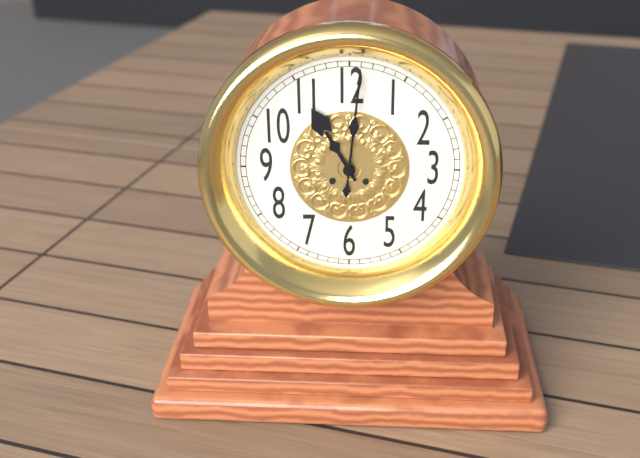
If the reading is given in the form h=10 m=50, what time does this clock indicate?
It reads h=11 m=1
